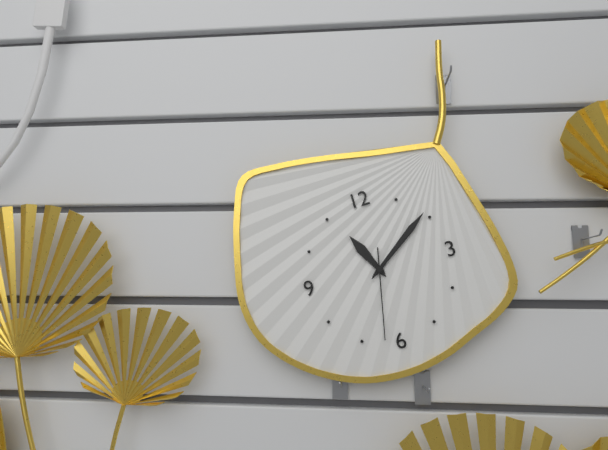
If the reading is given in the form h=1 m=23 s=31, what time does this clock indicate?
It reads h=11 m=9 s=32
